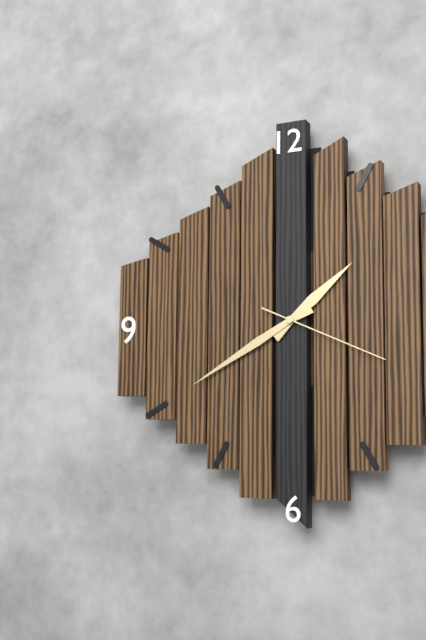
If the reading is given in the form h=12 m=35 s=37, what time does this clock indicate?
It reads h=1 m=40 s=19
